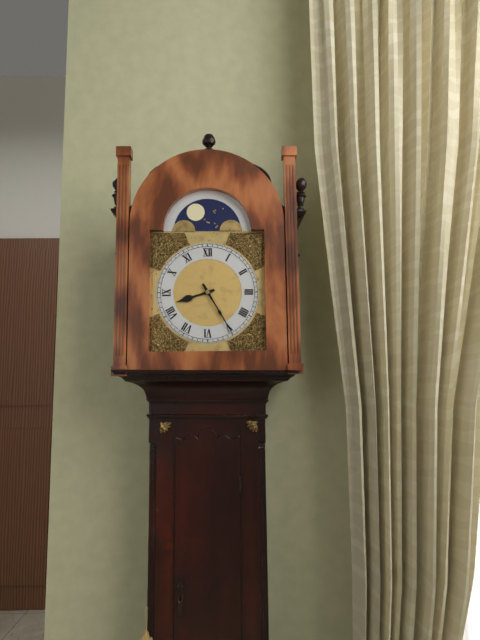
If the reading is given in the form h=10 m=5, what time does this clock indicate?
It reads h=8 m=25
